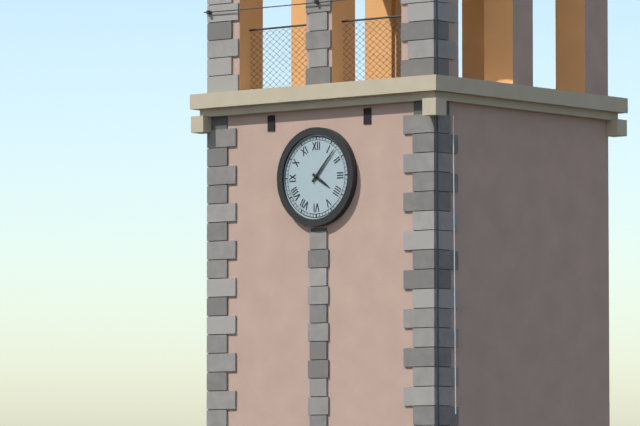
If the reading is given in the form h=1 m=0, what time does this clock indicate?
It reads h=4 m=7
